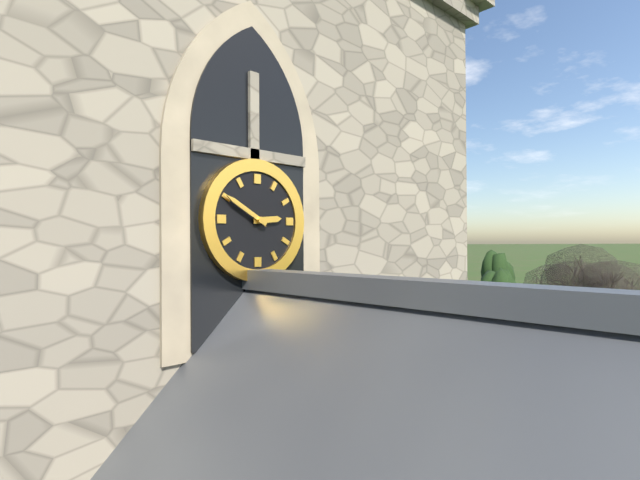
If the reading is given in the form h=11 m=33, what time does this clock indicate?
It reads h=2 m=50
